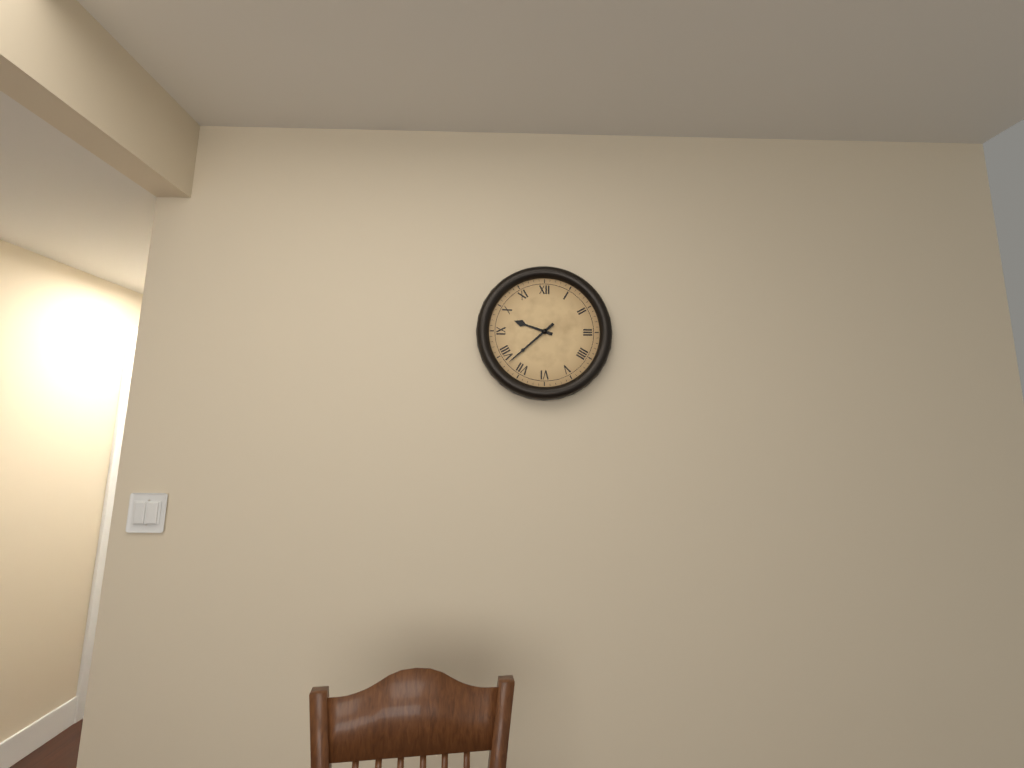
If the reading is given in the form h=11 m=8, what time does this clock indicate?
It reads h=9 m=38
